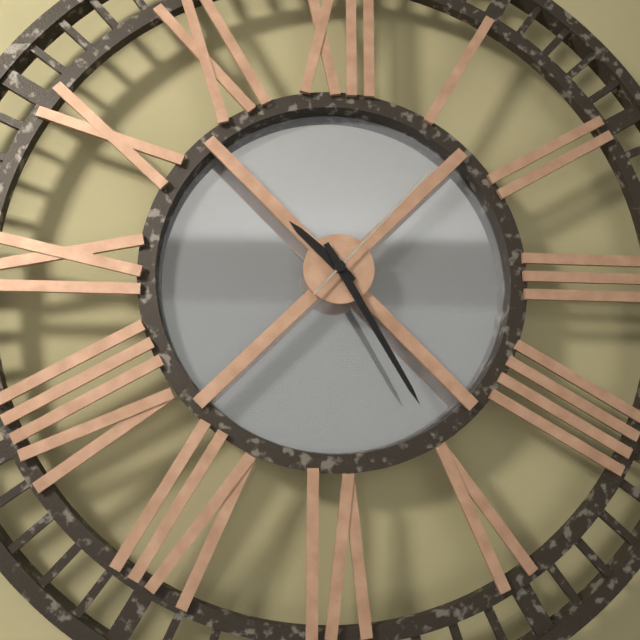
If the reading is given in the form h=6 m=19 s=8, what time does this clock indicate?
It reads h=10 m=25 s=7
